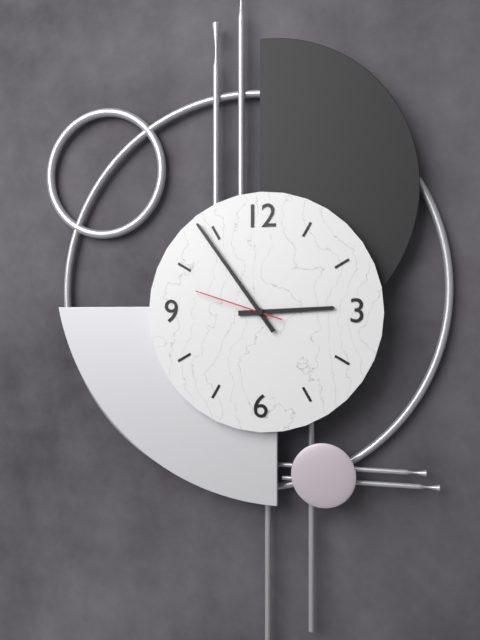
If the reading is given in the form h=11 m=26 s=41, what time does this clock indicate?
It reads h=2 m=54 s=48
